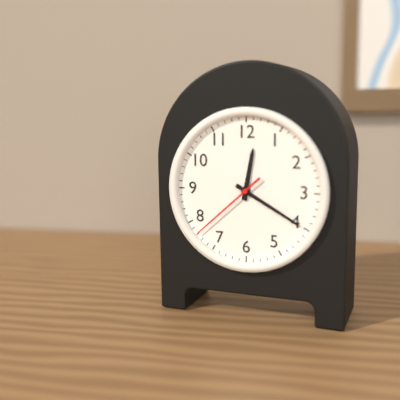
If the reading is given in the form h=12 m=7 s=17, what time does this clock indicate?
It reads h=12 m=20 s=38
